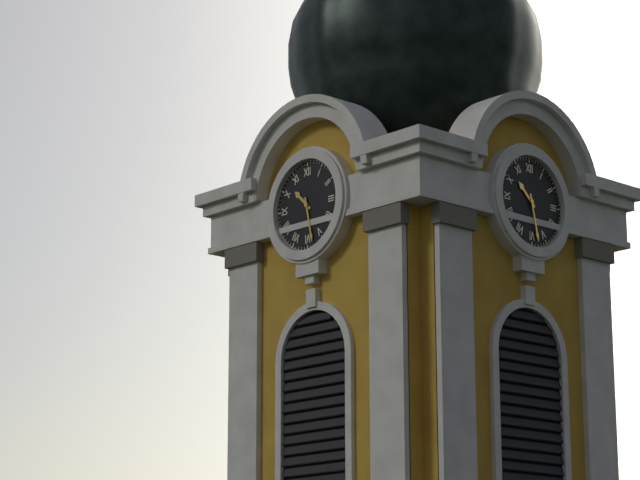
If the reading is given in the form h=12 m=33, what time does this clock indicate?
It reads h=10 m=28
